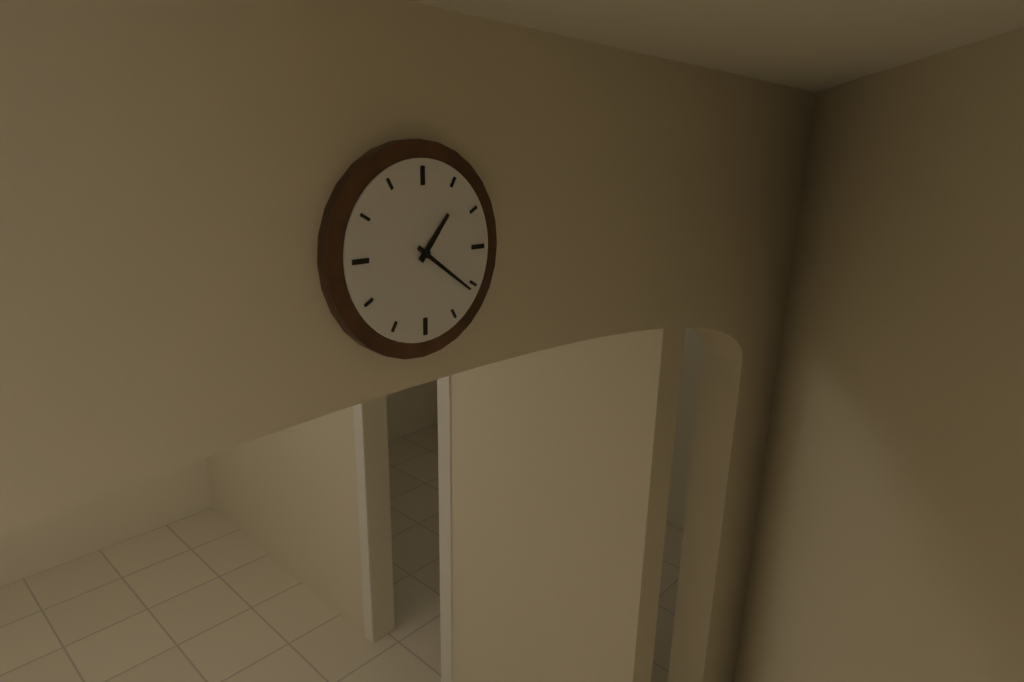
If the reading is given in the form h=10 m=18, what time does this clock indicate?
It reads h=1 m=21
